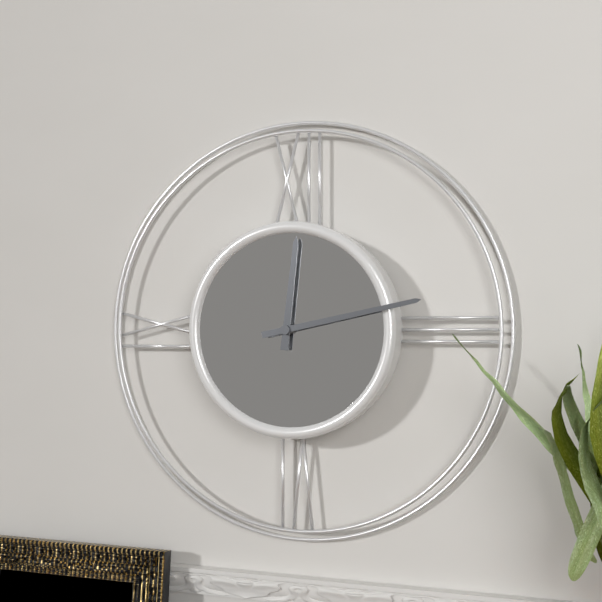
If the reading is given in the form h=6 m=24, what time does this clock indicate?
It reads h=12 m=13
